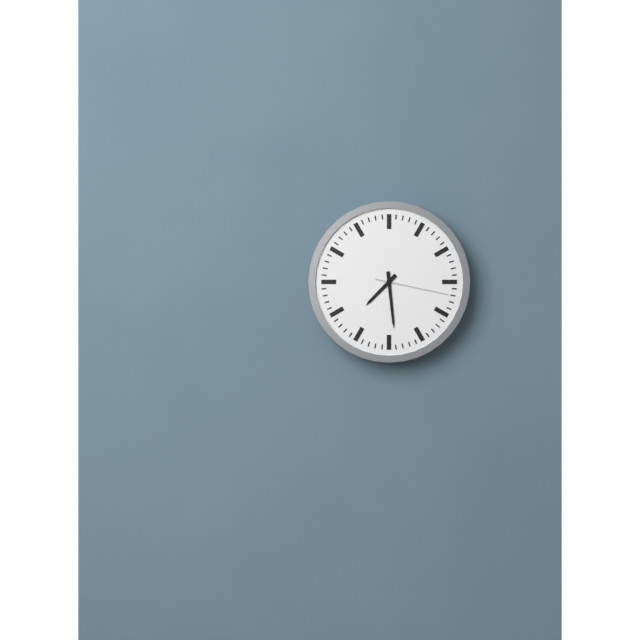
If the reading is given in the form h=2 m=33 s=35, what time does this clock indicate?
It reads h=7 m=29 s=17
